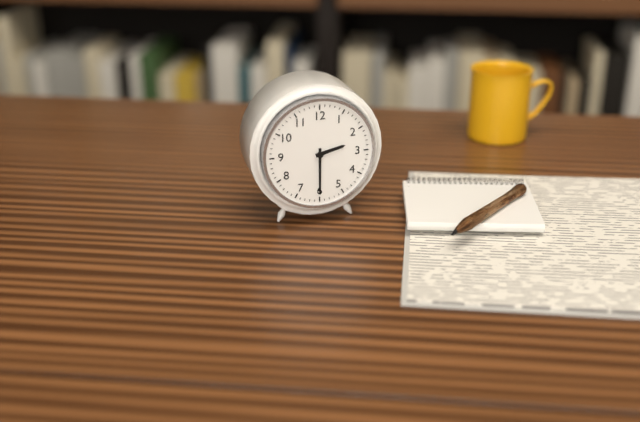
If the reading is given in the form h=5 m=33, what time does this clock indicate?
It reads h=2 m=30
